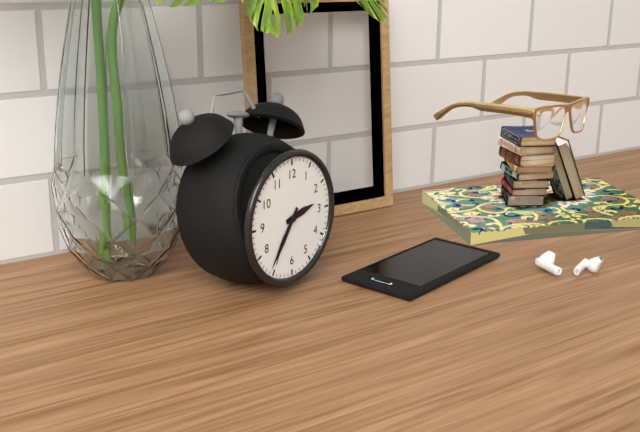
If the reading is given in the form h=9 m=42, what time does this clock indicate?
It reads h=2 m=36
